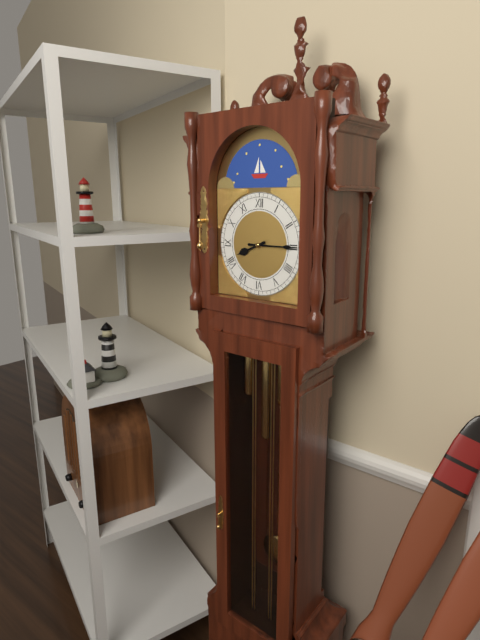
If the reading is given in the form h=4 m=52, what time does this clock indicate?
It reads h=8 m=15
